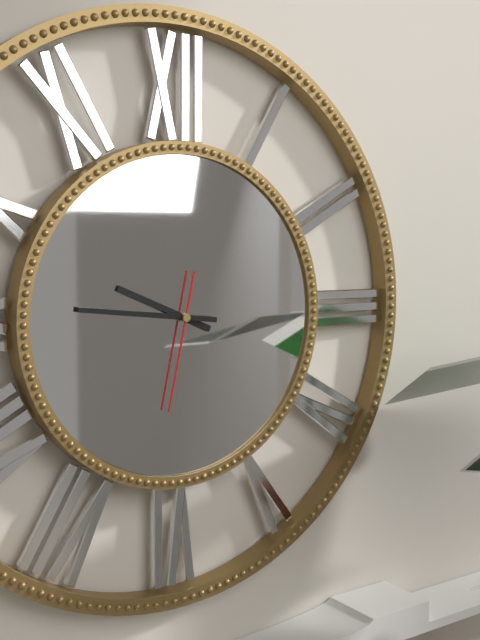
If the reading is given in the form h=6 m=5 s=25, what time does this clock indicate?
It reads h=9 m=46 s=32
